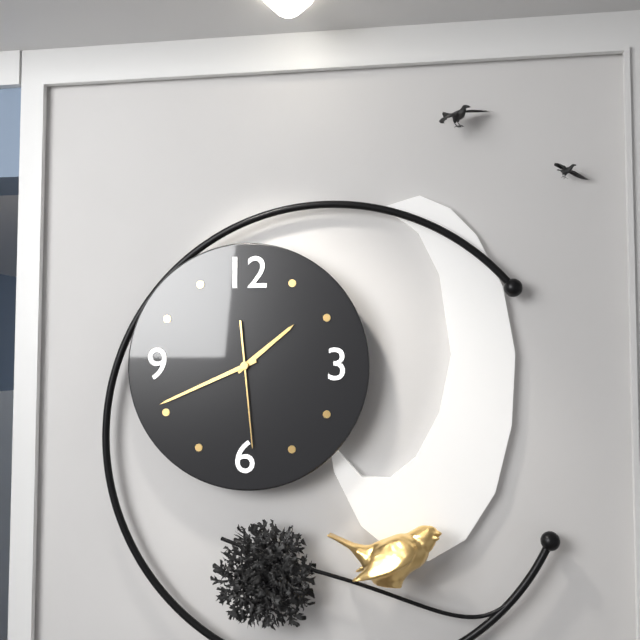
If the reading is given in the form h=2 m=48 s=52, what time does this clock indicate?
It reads h=1 m=41 s=29
